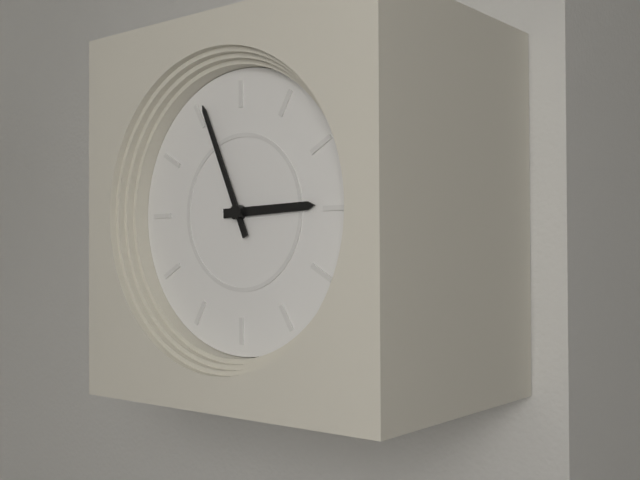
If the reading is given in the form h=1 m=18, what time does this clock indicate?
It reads h=2 m=56
